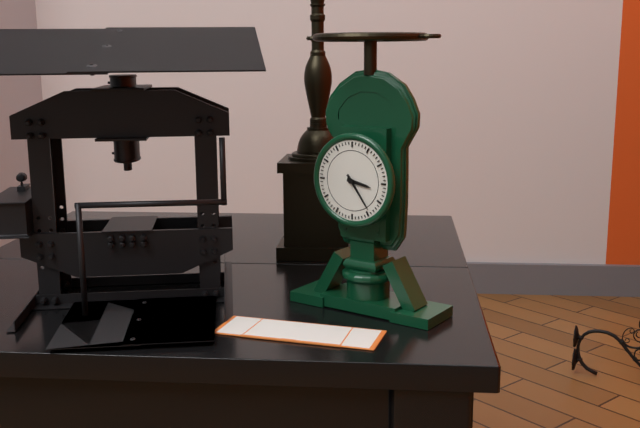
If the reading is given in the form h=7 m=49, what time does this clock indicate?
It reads h=3 m=24
